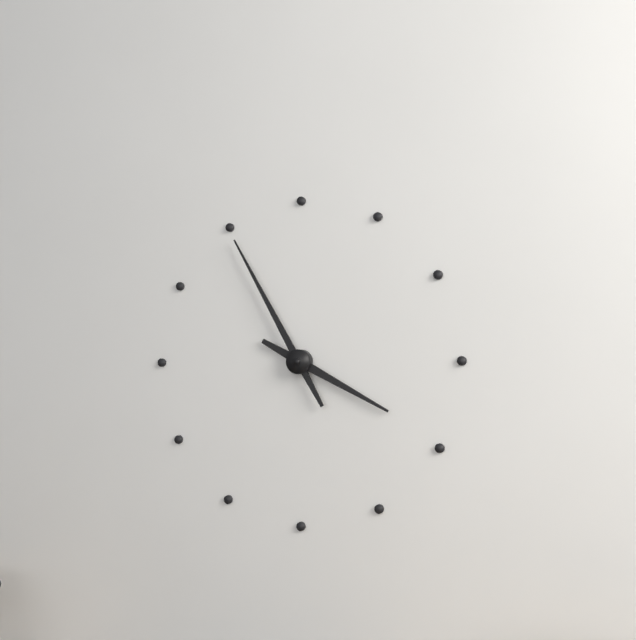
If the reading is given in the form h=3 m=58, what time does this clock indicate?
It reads h=3 m=55
